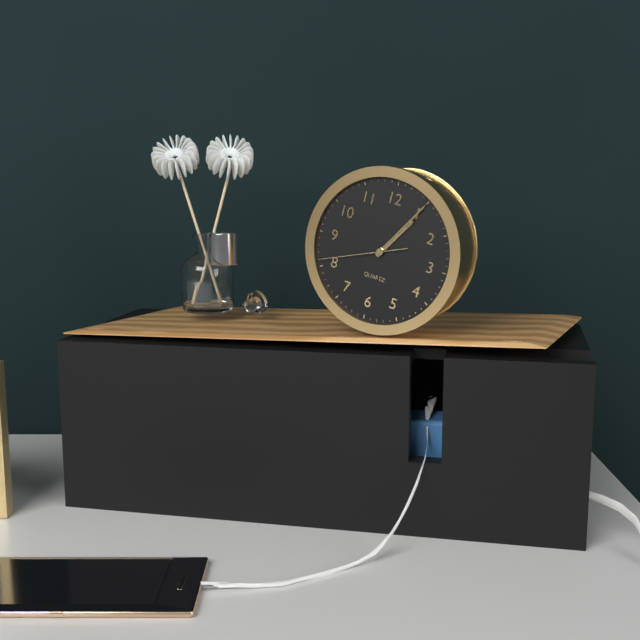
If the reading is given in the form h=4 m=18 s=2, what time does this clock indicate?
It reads h=1 m=5 s=41
